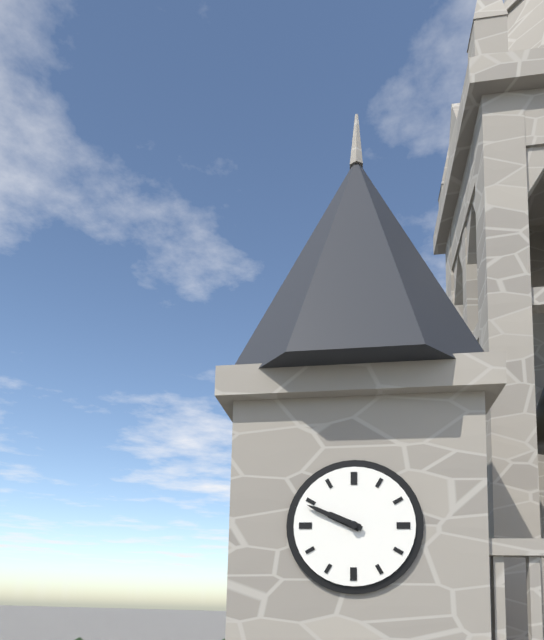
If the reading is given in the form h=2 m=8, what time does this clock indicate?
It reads h=9 m=49
